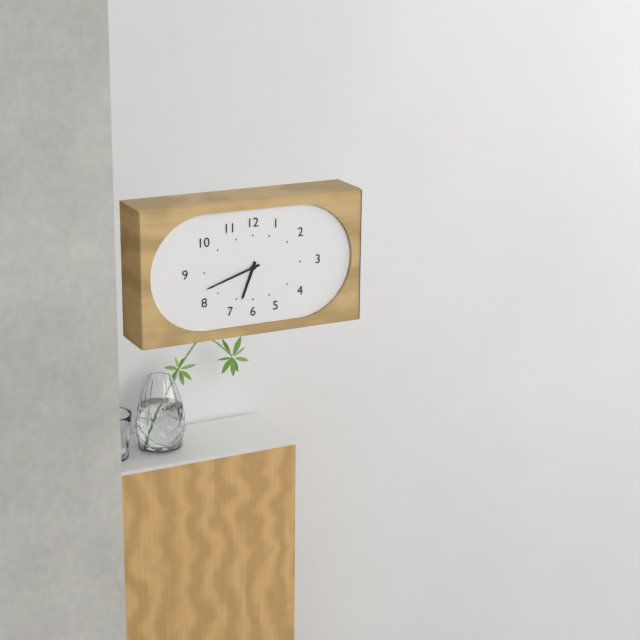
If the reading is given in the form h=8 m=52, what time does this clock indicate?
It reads h=6 m=42
